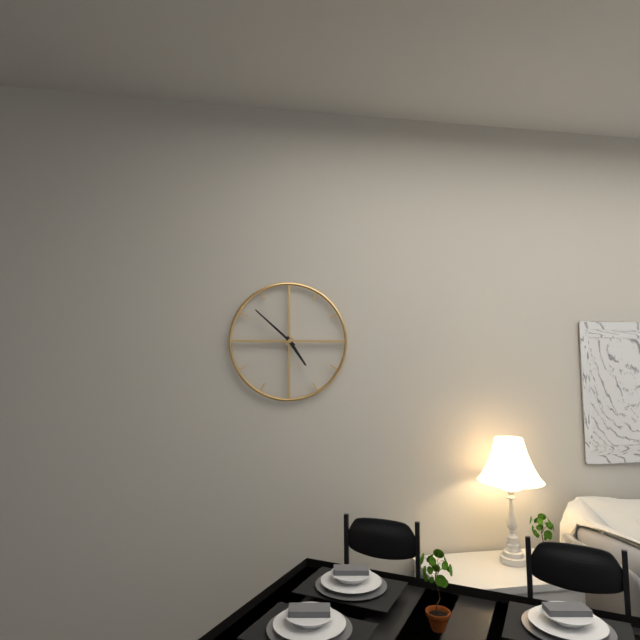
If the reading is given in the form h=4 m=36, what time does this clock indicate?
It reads h=4 m=52
